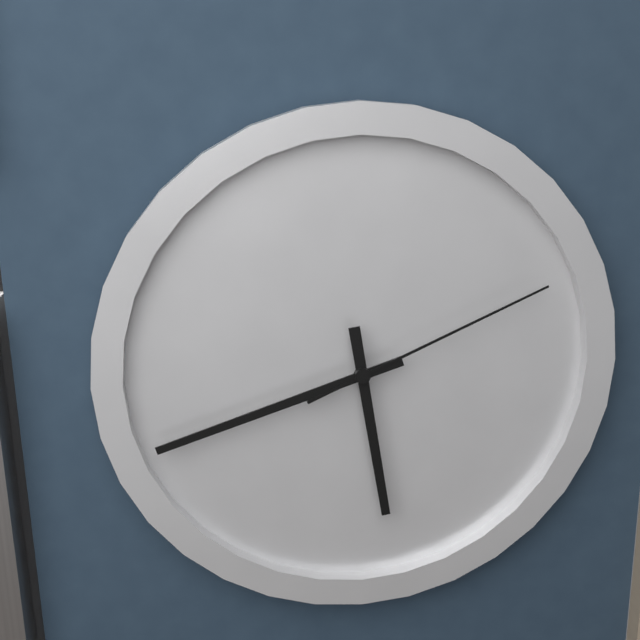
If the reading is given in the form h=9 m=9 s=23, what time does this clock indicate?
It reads h=5 m=42 s=11
